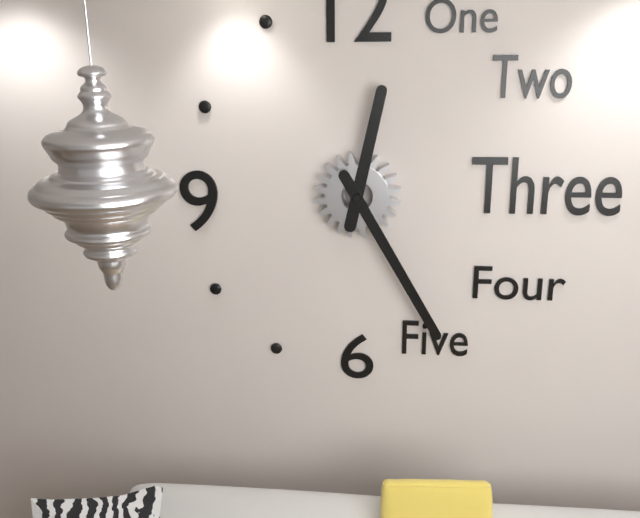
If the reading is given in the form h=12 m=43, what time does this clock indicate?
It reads h=12 m=25
